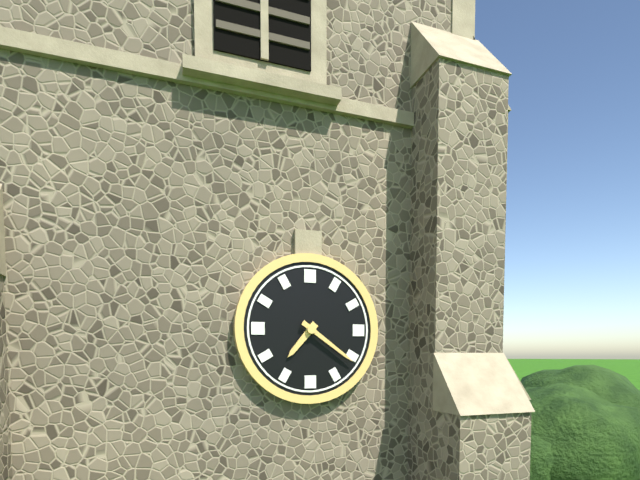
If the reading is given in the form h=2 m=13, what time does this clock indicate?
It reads h=7 m=21
